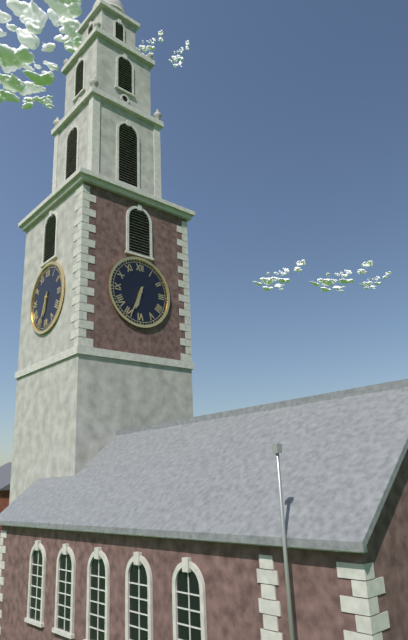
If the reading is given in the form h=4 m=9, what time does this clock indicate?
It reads h=6 m=34
